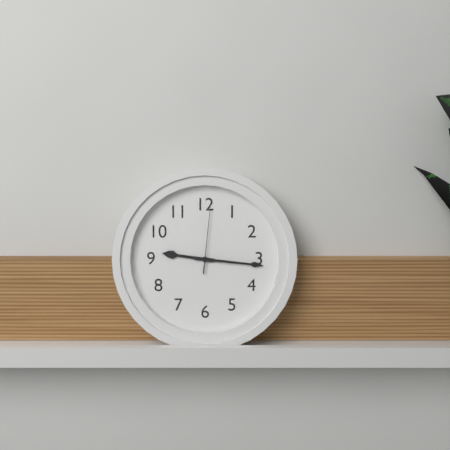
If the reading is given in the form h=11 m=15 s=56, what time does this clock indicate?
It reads h=9 m=16 s=1
